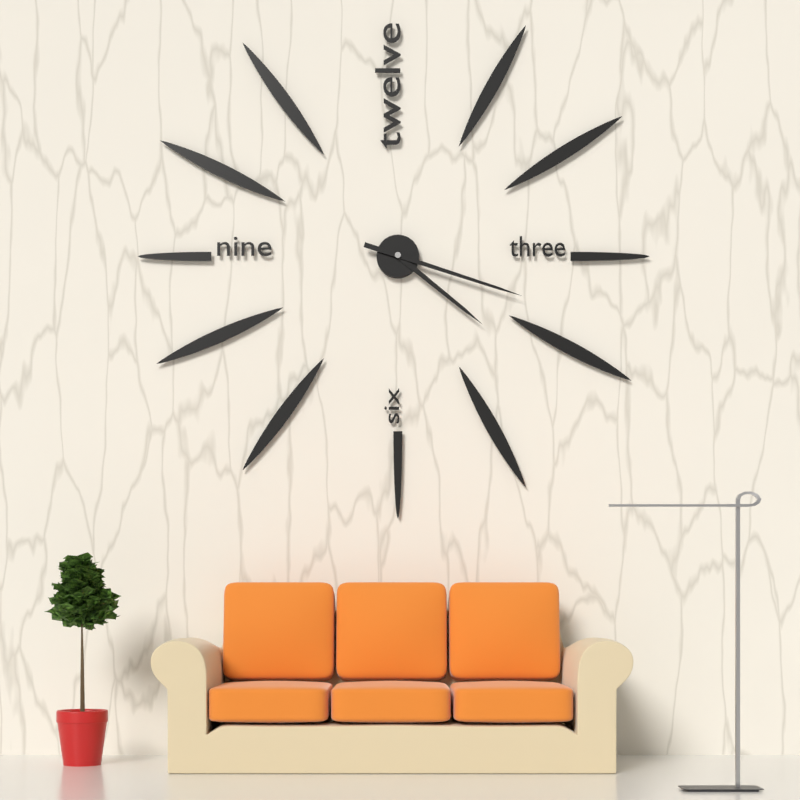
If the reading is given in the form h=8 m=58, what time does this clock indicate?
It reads h=4 m=18
